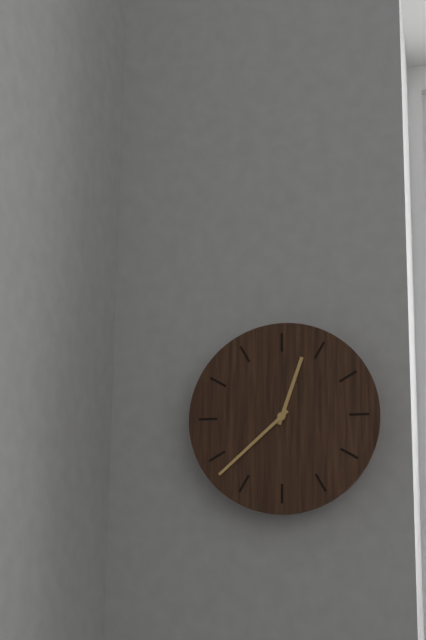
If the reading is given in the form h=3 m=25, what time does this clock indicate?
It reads h=12 m=38
